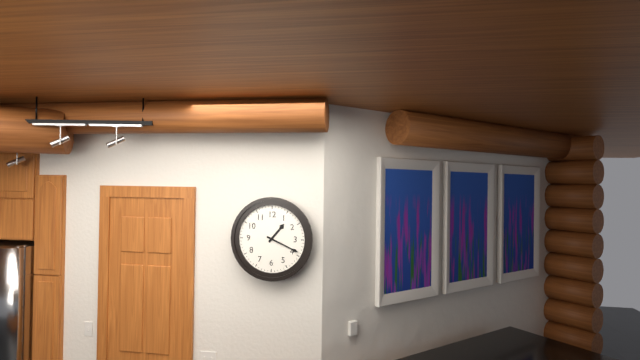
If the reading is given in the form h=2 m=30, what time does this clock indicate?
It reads h=1 m=19
